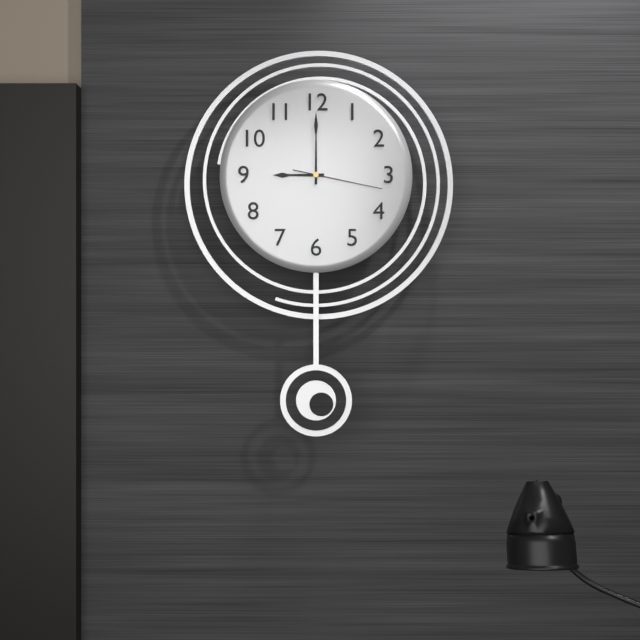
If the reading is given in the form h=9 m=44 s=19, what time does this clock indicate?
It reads h=9 m=0 s=17
